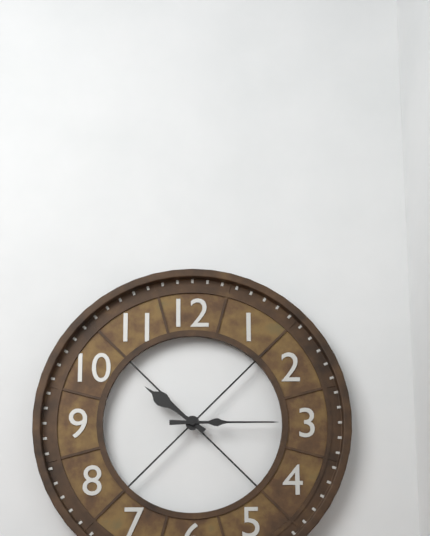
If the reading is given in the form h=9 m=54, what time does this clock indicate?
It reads h=10 m=15
